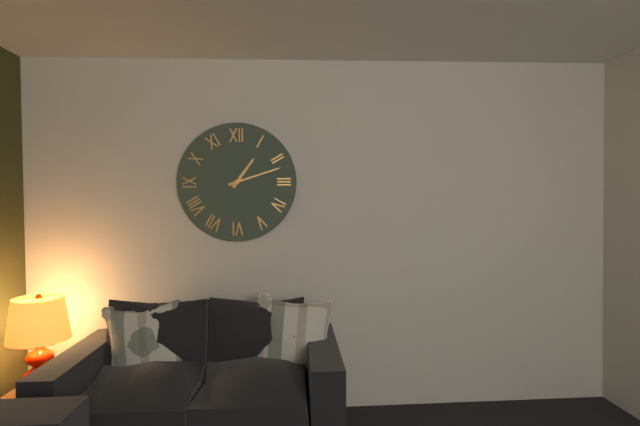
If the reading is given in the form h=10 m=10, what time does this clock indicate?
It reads h=1 m=12
